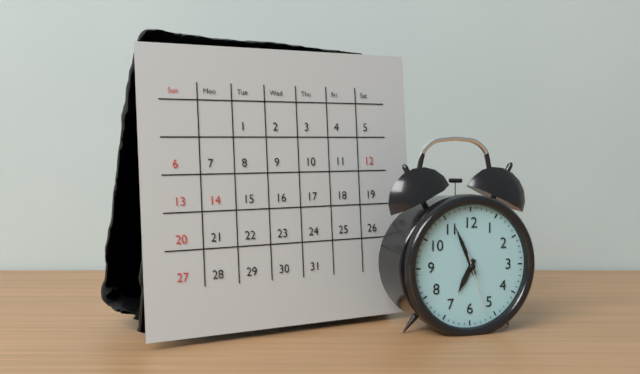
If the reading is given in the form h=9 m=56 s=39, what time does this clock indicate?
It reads h=6 m=56 s=27
